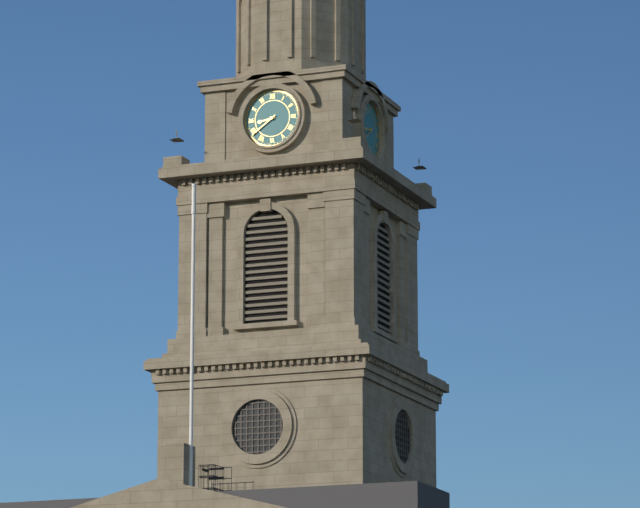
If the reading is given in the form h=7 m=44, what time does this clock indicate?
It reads h=8 m=39
